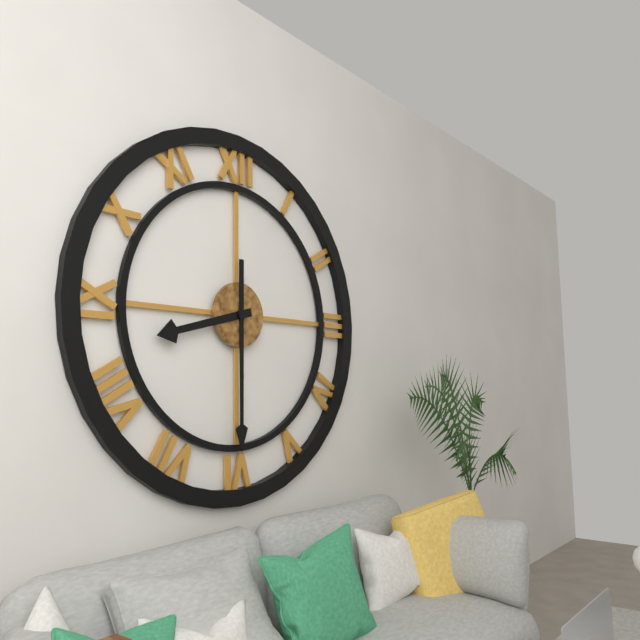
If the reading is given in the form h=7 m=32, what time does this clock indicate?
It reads h=8 m=30
